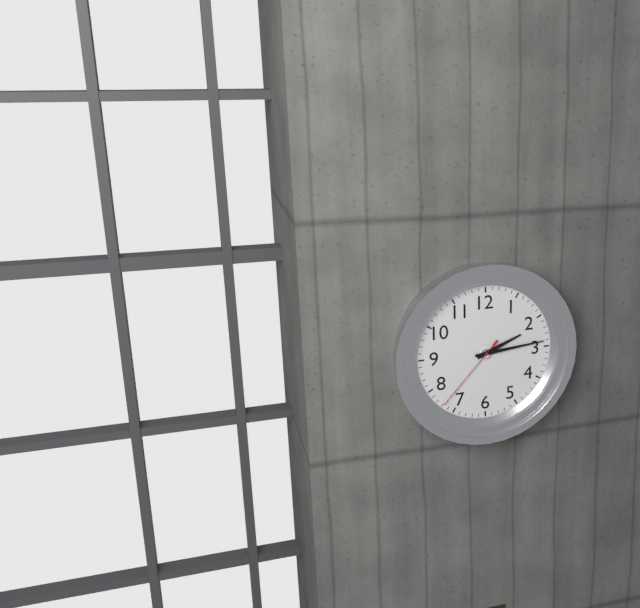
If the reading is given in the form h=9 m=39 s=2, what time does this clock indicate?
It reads h=2 m=14 s=37
